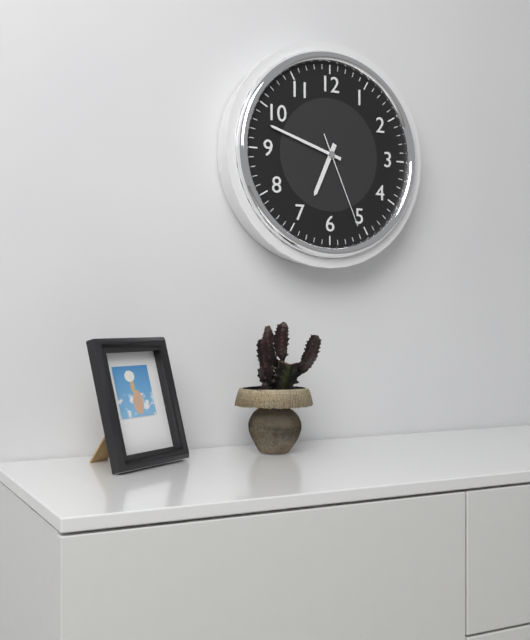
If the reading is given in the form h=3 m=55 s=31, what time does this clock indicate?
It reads h=6 m=48 s=26
